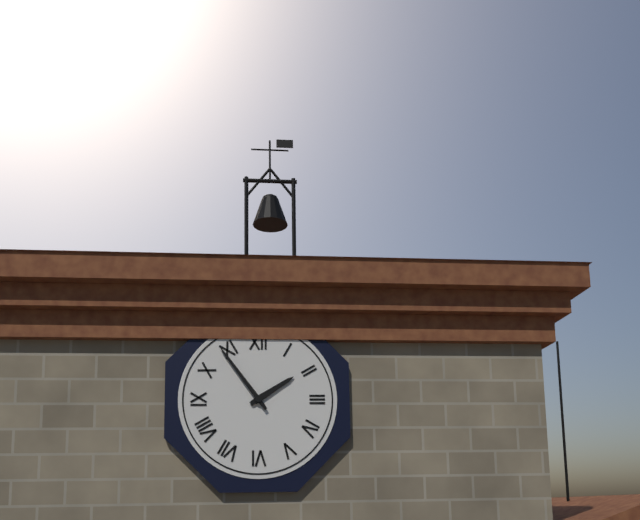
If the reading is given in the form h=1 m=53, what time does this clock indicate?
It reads h=1 m=54
